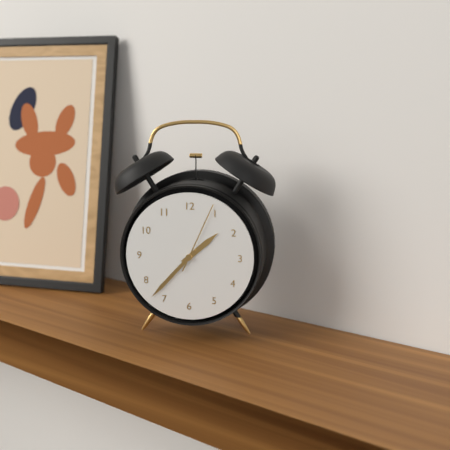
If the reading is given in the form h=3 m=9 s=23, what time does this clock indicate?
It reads h=1 m=37 s=4
